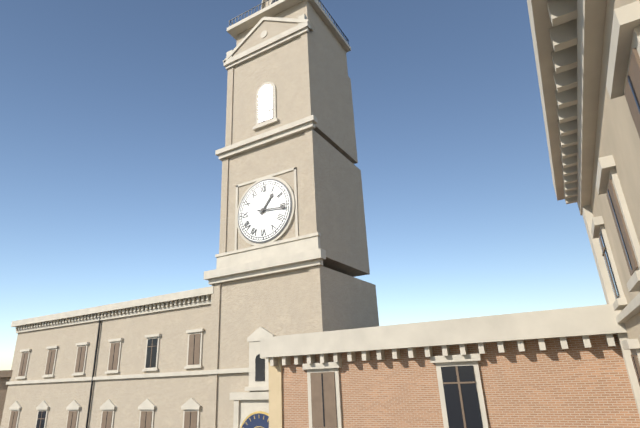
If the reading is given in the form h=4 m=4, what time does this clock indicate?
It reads h=1 m=16
